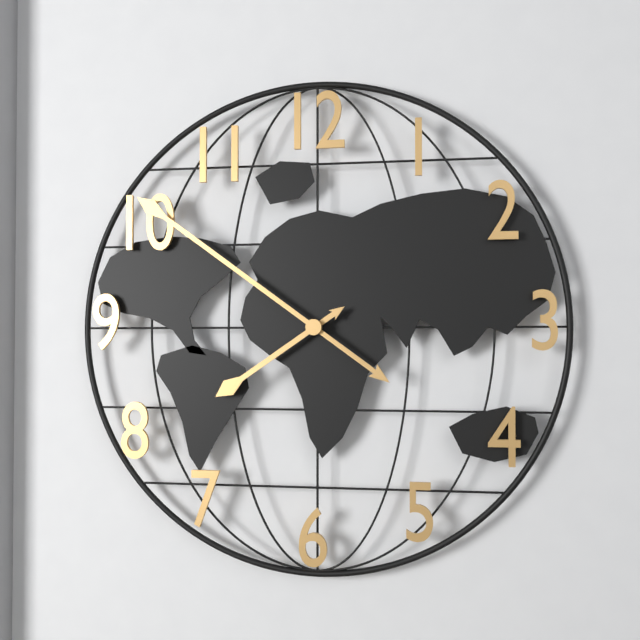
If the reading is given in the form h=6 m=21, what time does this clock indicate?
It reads h=7 m=51
